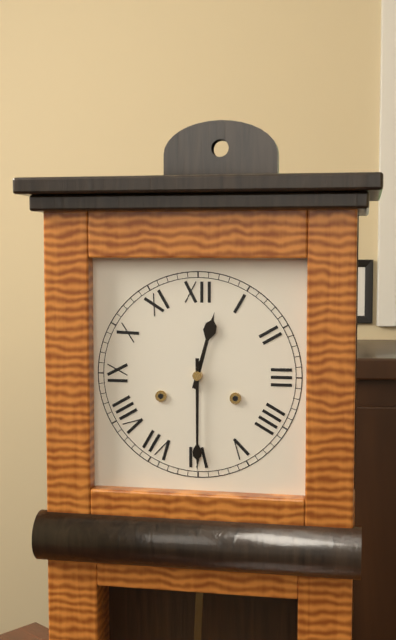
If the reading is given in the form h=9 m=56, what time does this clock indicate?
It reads h=12 m=30
